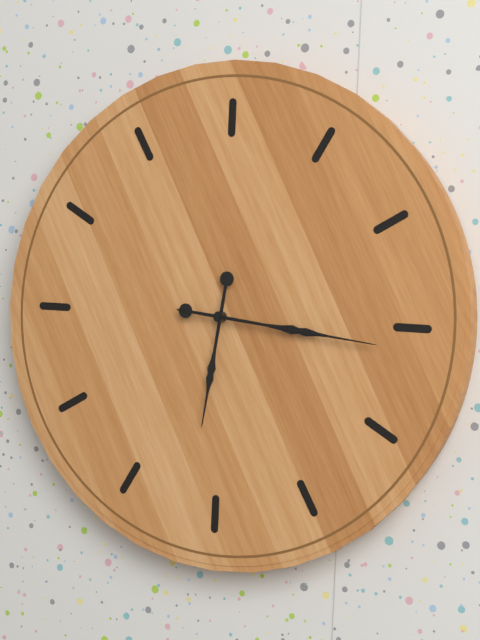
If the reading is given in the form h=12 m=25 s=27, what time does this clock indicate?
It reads h=6 m=16 s=16
